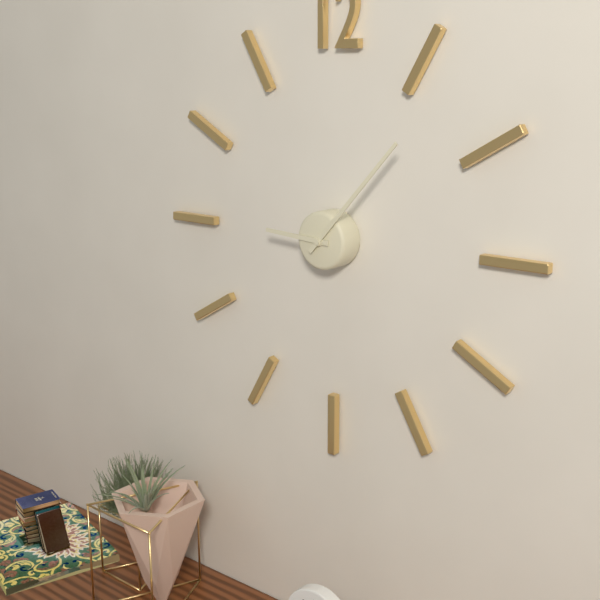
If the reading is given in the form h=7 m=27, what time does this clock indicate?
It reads h=9 m=7
